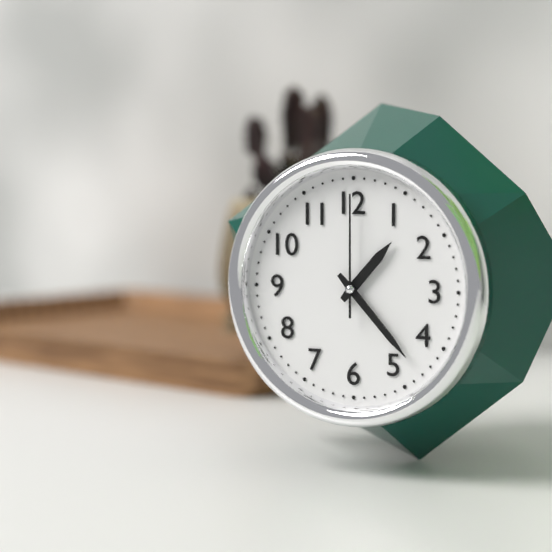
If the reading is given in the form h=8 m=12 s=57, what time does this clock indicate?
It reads h=1 m=23 s=0
